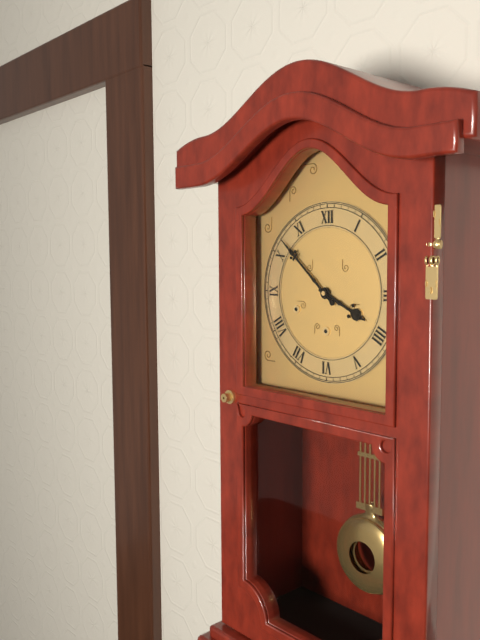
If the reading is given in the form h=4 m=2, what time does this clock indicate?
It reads h=3 m=52
